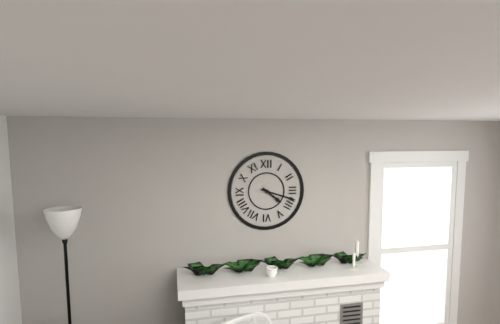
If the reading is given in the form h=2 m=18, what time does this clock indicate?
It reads h=4 m=18
